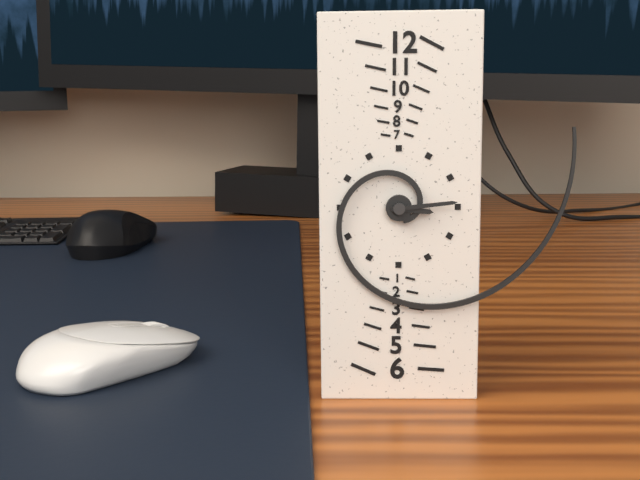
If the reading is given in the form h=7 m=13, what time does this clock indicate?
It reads h=3 m=14
